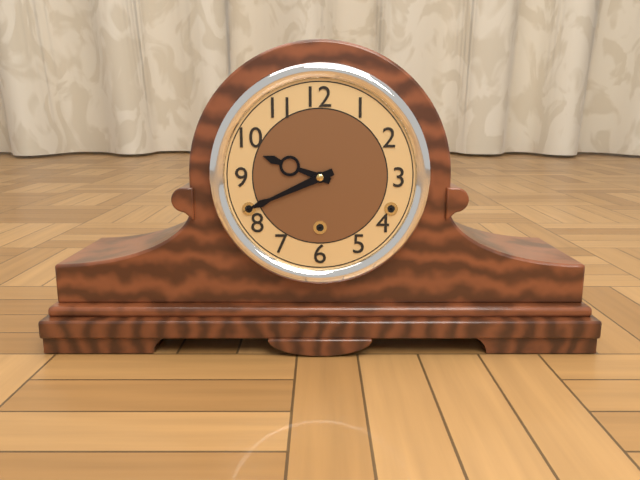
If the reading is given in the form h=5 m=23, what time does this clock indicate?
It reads h=9 m=41
